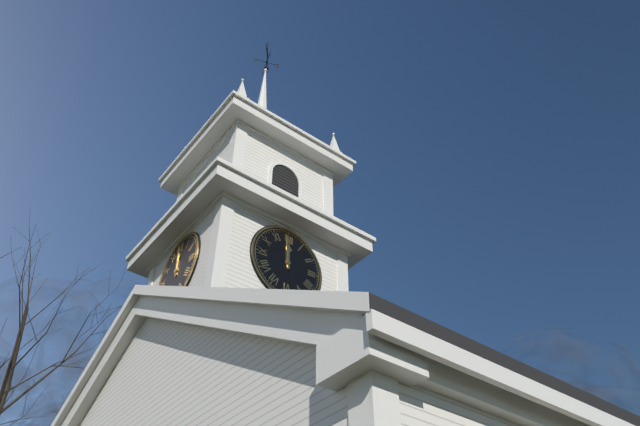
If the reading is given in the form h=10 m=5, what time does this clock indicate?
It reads h=11 m=59
